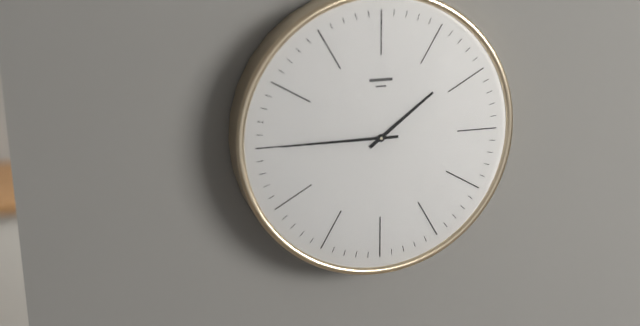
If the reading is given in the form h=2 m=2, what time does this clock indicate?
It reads h=1 m=45
